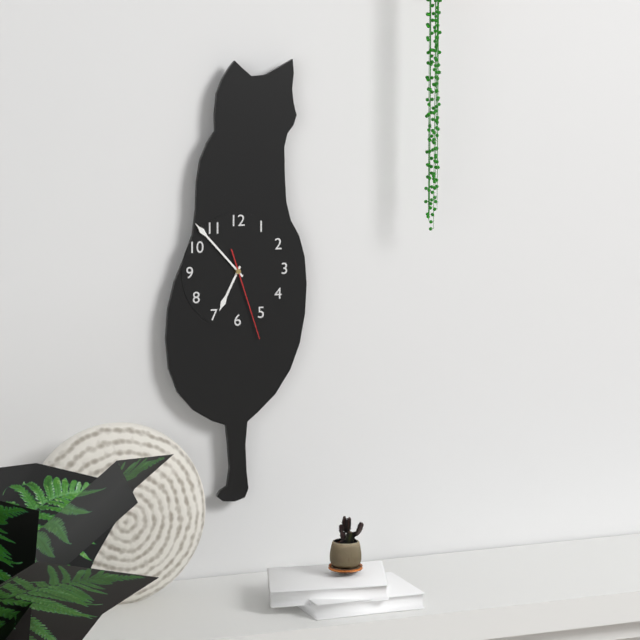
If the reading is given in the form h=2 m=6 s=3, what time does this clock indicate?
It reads h=6 m=53 s=27
